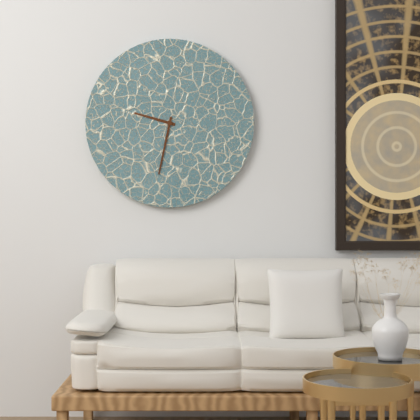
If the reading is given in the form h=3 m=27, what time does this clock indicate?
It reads h=9 m=32
